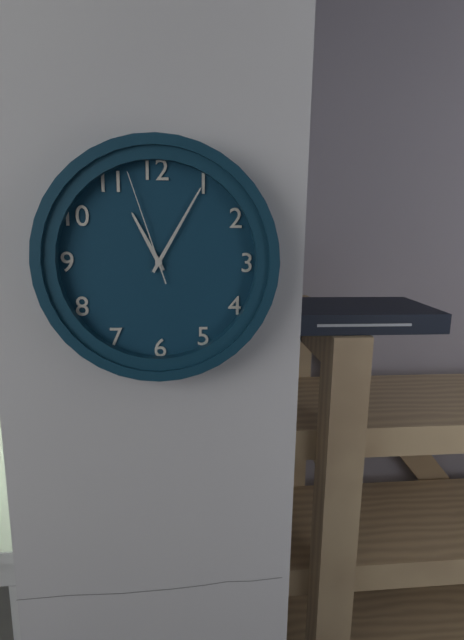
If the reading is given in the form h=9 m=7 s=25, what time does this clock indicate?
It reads h=11 m=5 s=57
